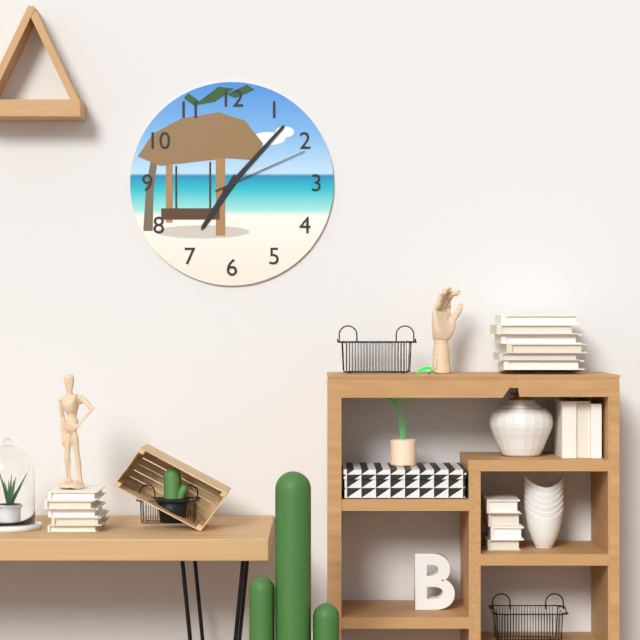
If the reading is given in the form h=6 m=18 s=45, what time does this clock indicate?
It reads h=7 m=7 s=11
